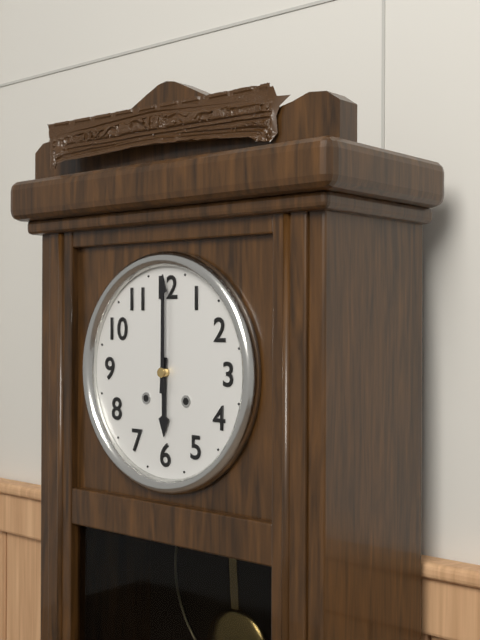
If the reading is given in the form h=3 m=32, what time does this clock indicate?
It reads h=6 m=0
